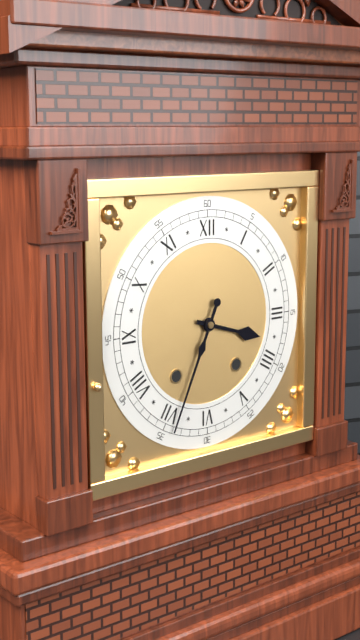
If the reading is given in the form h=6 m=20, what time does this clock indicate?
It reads h=3 m=34
